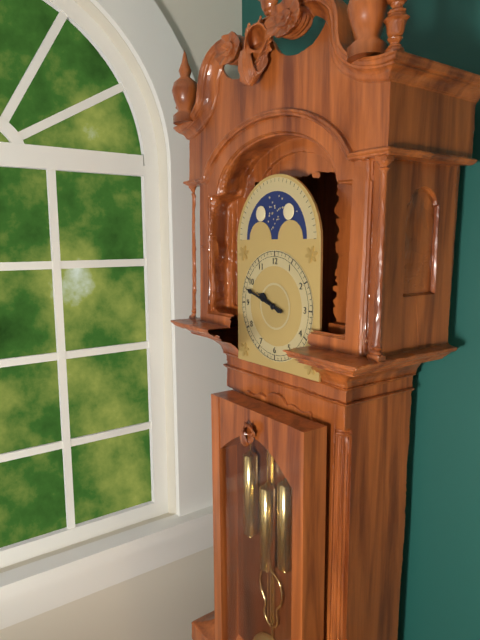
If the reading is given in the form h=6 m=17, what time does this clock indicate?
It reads h=9 m=48
